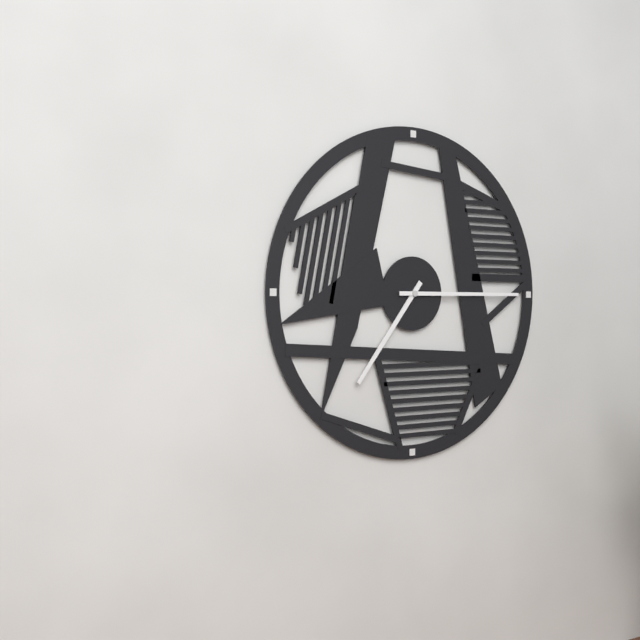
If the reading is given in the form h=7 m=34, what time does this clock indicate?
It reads h=7 m=15
